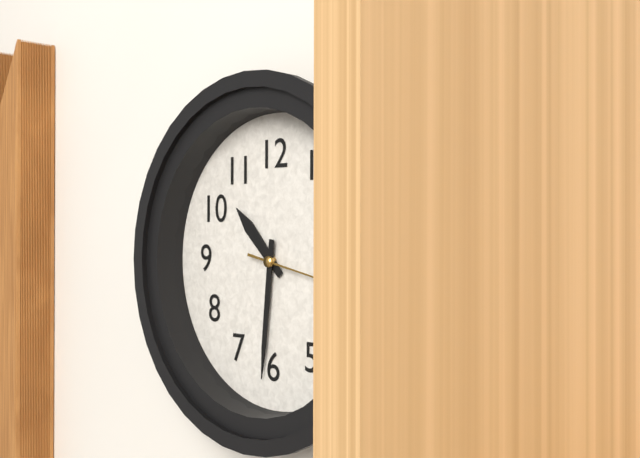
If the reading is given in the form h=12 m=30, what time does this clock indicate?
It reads h=10 m=31
